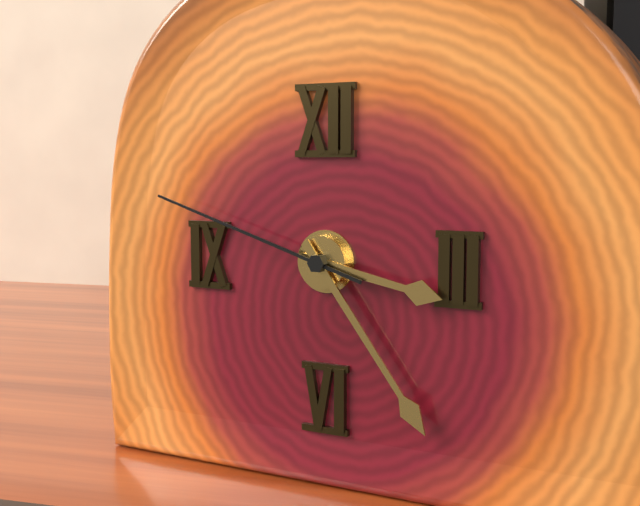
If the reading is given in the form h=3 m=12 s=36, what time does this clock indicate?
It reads h=3 m=24 s=48
